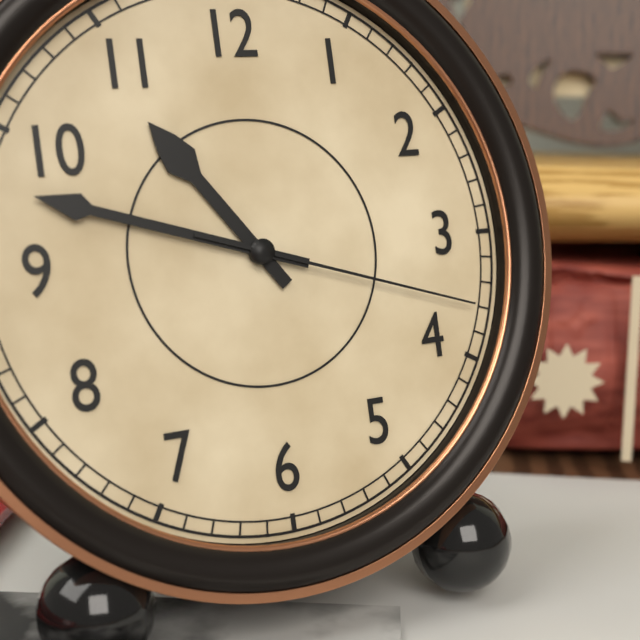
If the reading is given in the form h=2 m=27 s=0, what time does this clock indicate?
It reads h=10 m=48 s=18
